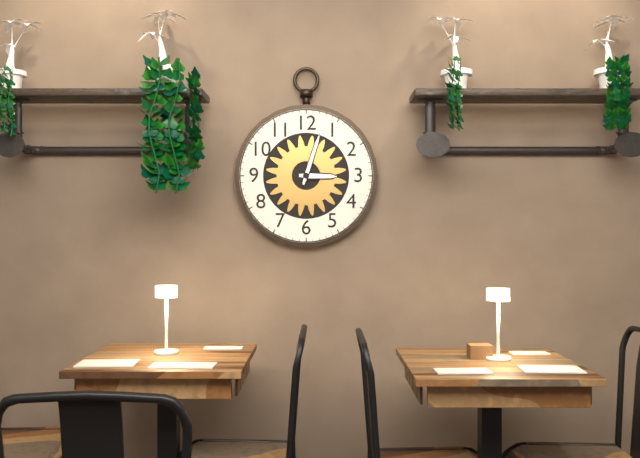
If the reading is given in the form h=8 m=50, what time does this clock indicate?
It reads h=3 m=3
